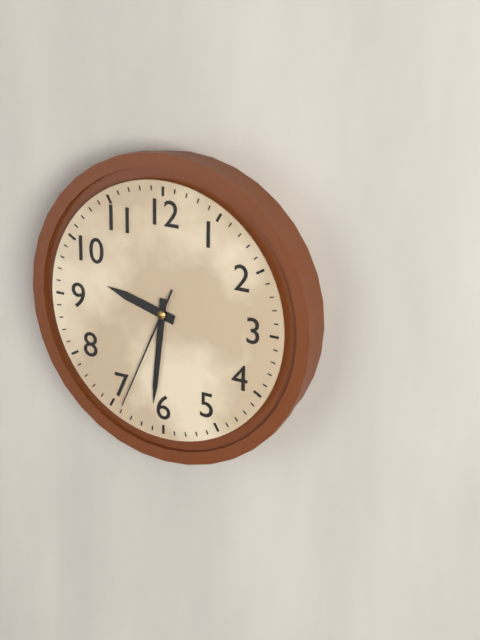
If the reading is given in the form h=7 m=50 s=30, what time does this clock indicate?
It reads h=9 m=31 s=34
